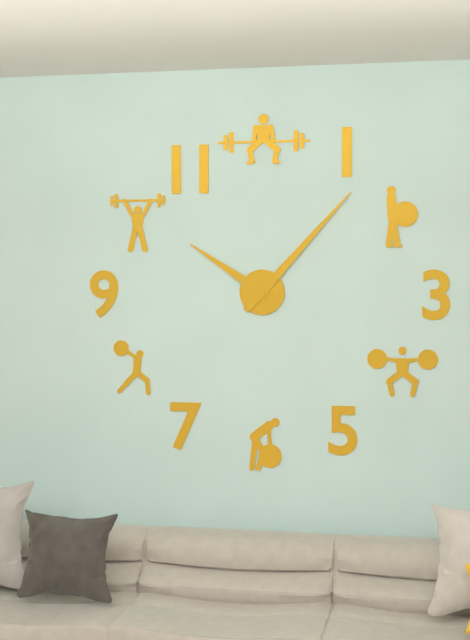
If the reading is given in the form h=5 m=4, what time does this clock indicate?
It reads h=10 m=7
